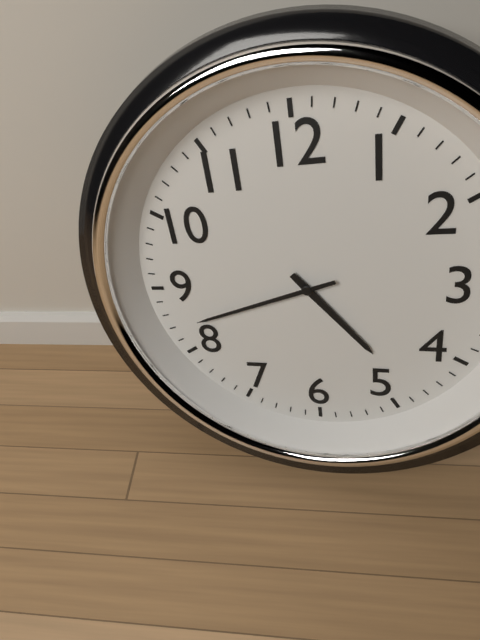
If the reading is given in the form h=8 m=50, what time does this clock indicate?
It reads h=4 m=42
